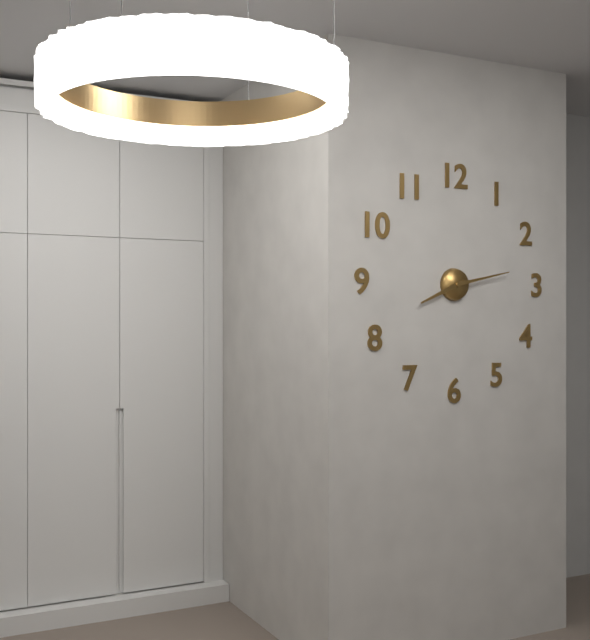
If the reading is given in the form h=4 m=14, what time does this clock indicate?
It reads h=8 m=13
